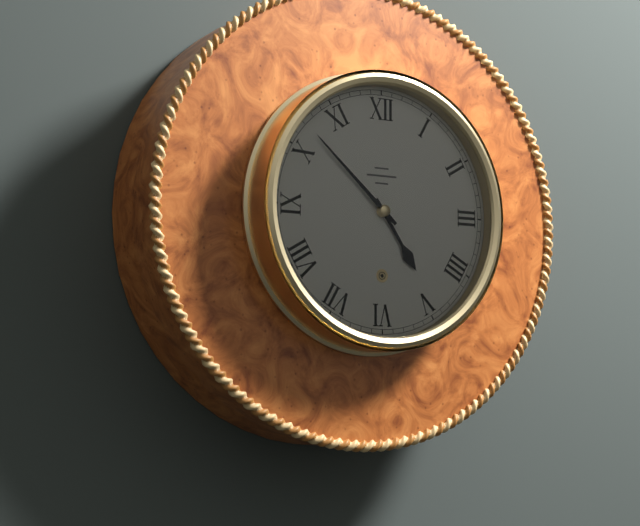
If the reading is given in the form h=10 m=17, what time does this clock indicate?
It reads h=4 m=52
